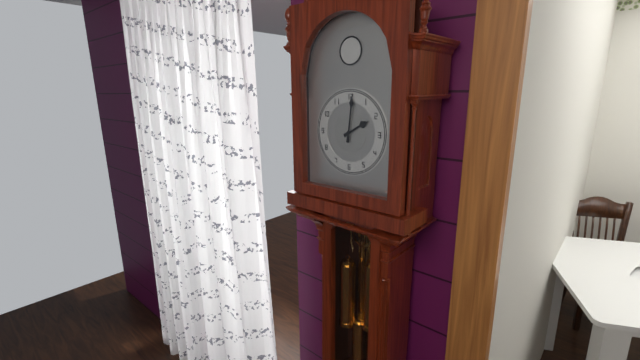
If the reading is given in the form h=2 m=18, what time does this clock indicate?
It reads h=2 m=1
